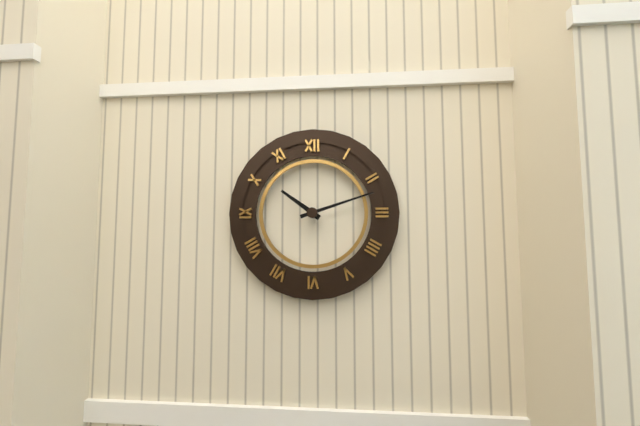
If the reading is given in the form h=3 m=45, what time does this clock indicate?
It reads h=10 m=12
